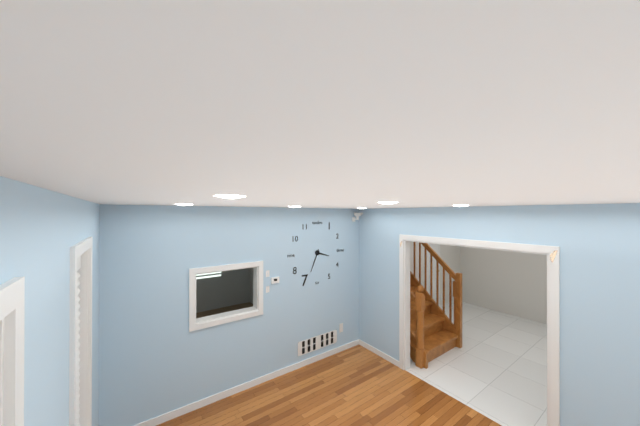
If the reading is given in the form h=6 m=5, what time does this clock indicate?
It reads h=3 m=34
